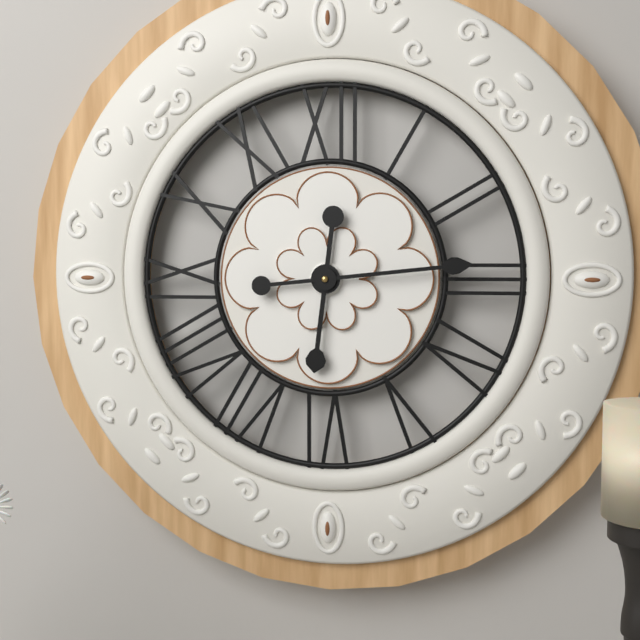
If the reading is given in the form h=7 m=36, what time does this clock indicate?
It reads h=6 m=14
